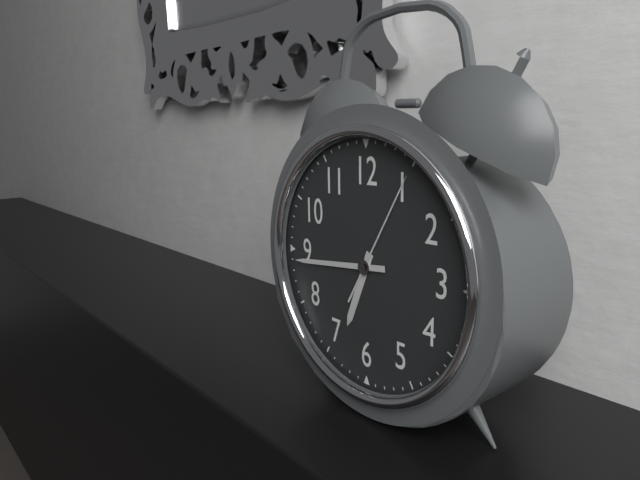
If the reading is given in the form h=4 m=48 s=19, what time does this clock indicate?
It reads h=6 m=44 s=5
